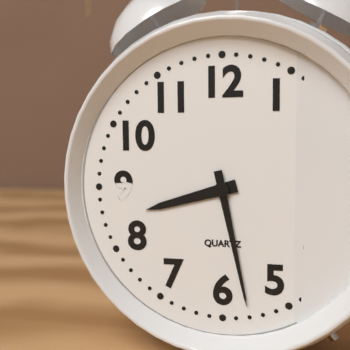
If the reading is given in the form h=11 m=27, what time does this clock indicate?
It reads h=8 m=28
